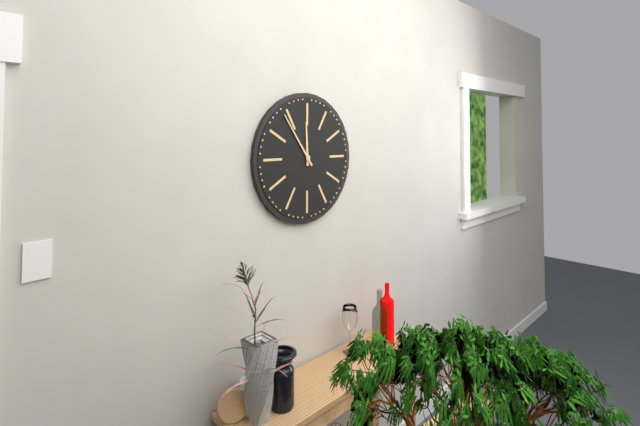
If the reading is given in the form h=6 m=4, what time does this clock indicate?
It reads h=11 m=54
